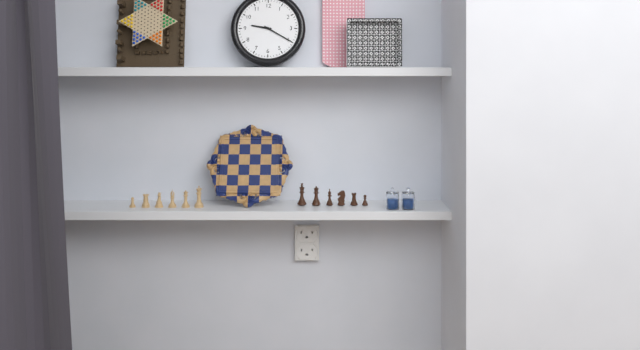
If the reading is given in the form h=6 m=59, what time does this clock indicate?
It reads h=9 m=20
